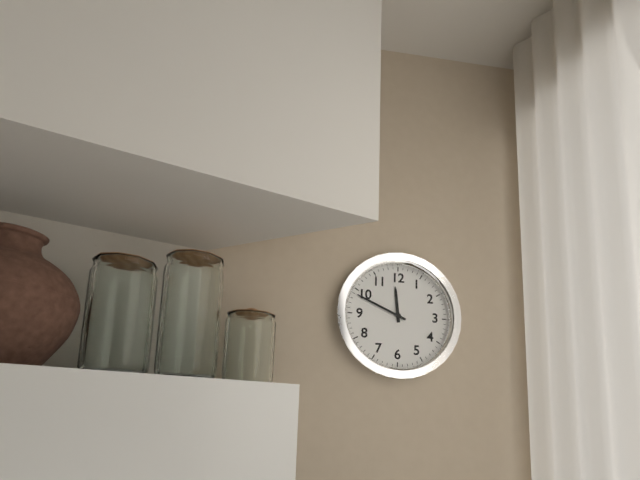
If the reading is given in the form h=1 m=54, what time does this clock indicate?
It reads h=11 m=49
